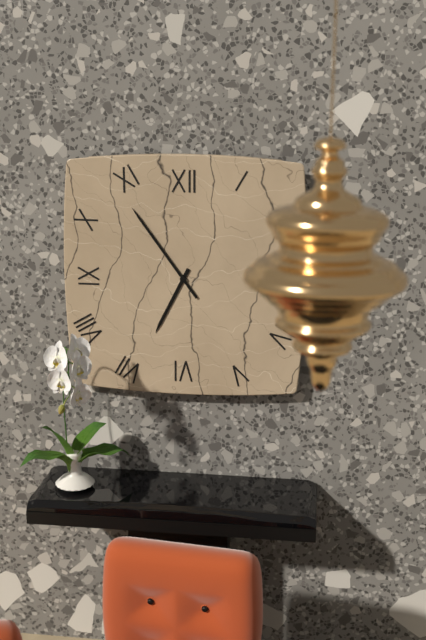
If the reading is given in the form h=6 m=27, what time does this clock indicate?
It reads h=6 m=54
